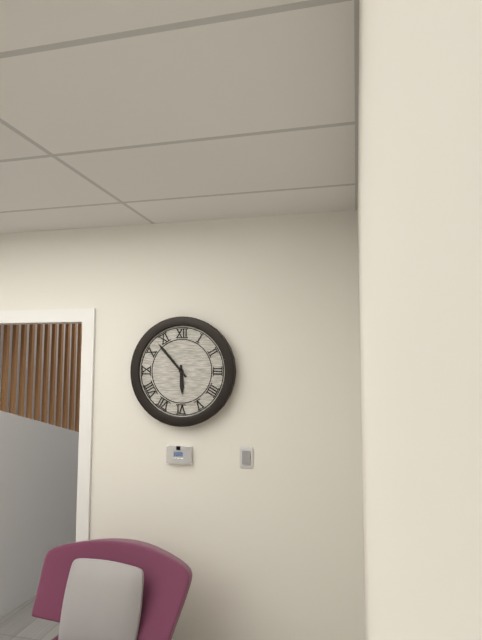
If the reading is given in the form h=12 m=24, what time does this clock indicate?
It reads h=5 m=53
